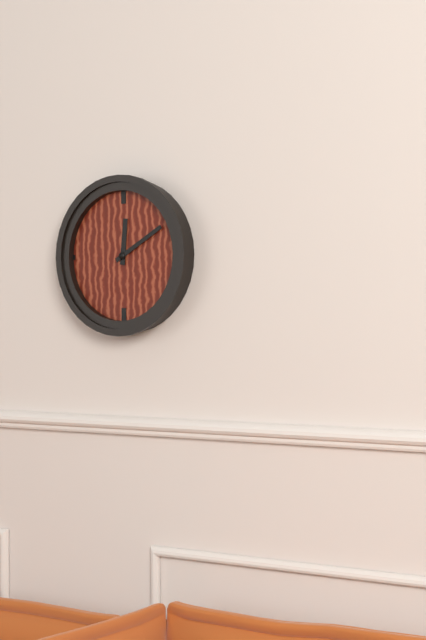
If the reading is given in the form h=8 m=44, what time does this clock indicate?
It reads h=12 m=10
